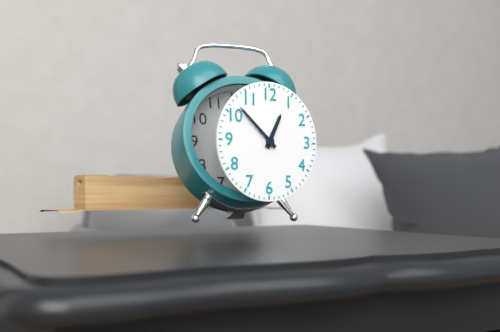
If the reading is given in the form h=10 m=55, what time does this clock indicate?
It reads h=12 m=52
